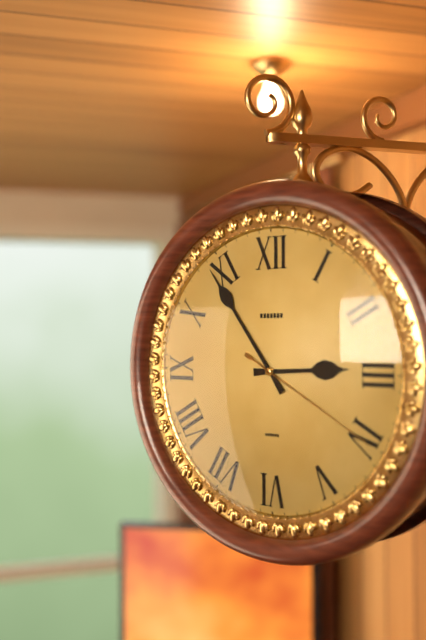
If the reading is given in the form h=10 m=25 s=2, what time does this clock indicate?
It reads h=2 m=54 s=20
